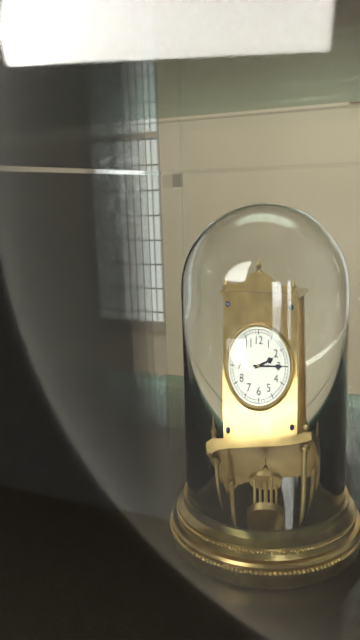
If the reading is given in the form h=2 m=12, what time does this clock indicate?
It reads h=2 m=15
